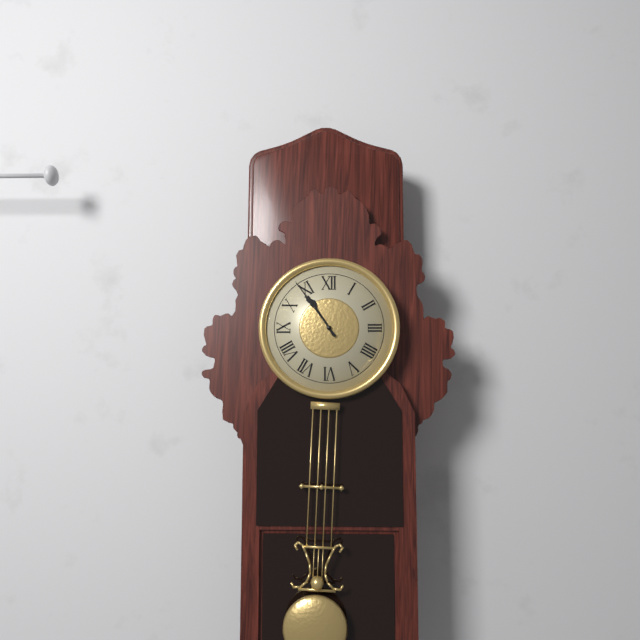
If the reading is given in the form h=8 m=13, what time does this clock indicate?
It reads h=10 m=54
